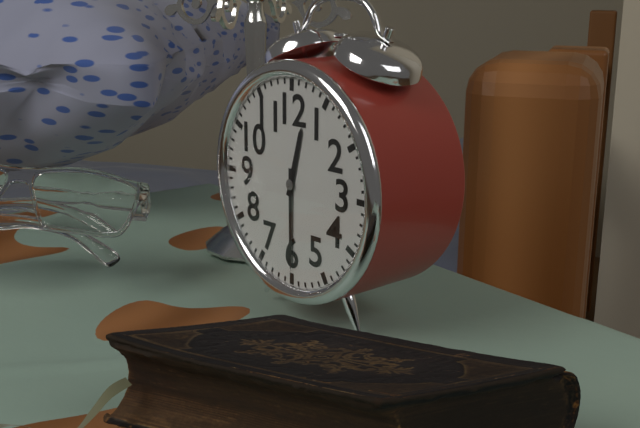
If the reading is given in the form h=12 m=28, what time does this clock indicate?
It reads h=12 m=30
